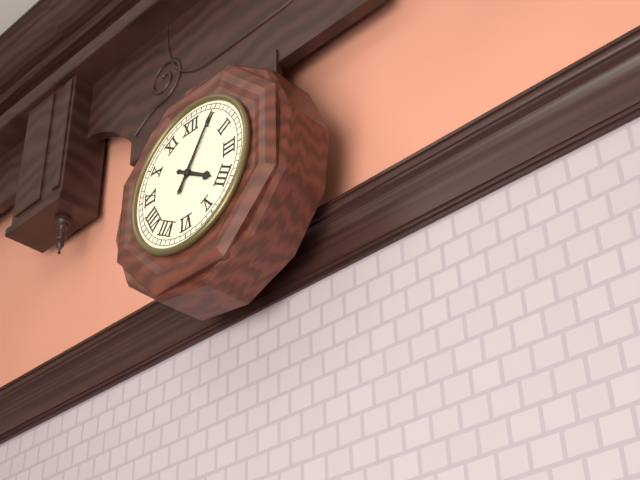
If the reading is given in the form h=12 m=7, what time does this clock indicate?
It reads h=4 m=5
